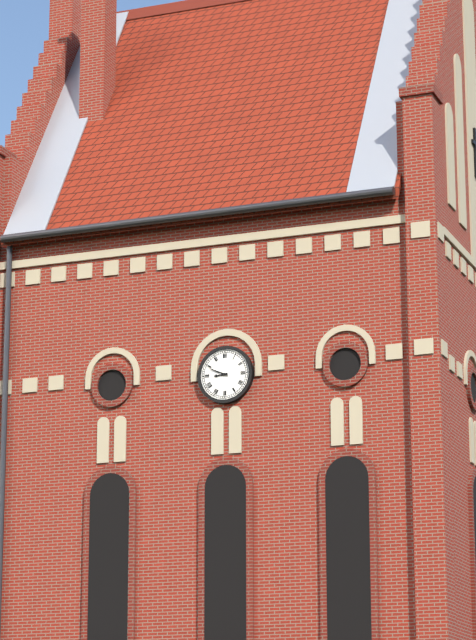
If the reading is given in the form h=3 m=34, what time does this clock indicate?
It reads h=8 m=49
